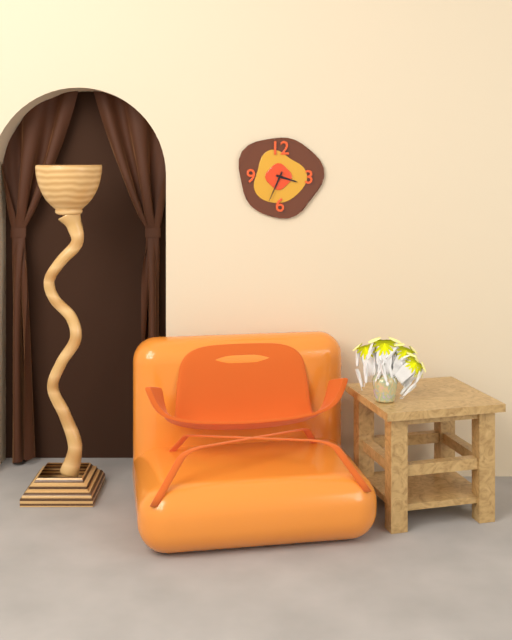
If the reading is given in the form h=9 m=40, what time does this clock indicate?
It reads h=3 m=34
